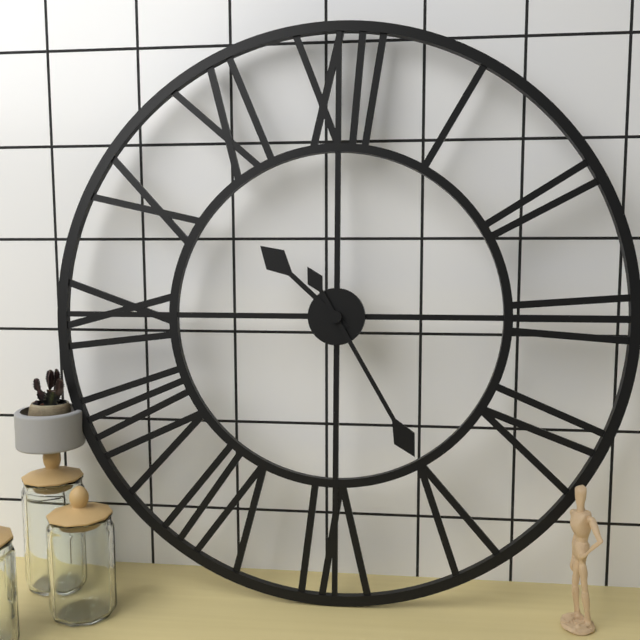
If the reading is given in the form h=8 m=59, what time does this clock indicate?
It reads h=10 m=25
